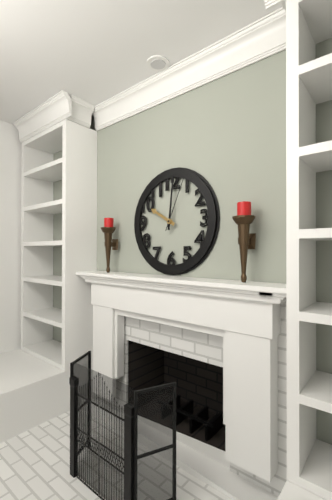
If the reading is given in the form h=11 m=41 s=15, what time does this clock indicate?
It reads h=10 m=1 s=4
